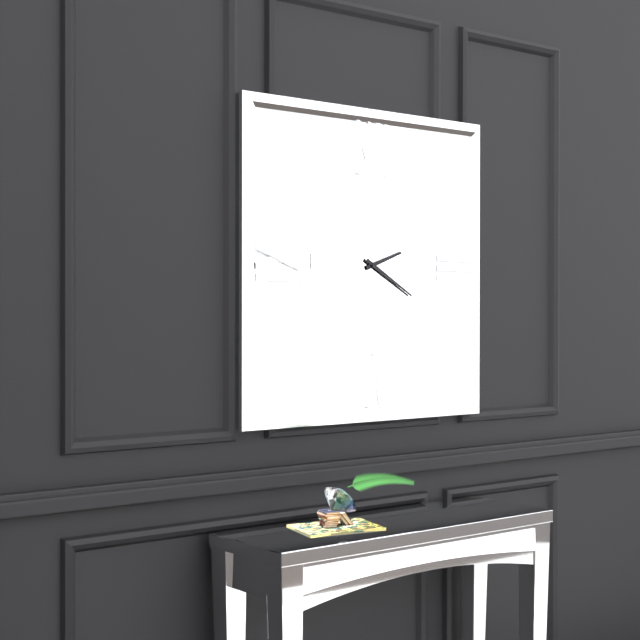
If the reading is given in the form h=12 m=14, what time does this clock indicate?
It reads h=2 m=20
